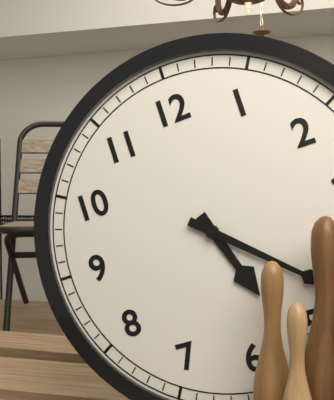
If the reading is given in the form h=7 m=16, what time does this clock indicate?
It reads h=5 m=22
